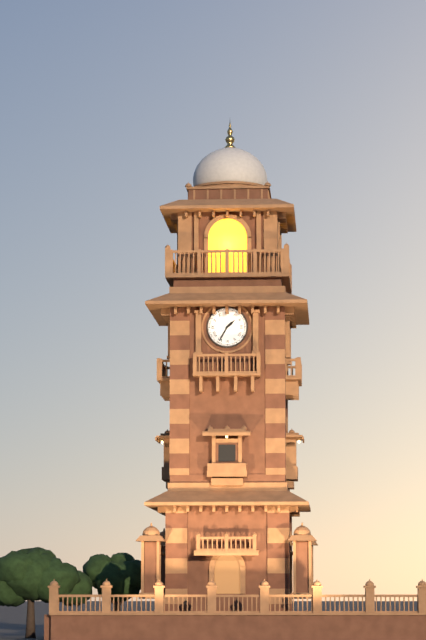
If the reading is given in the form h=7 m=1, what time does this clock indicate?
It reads h=1 m=35
